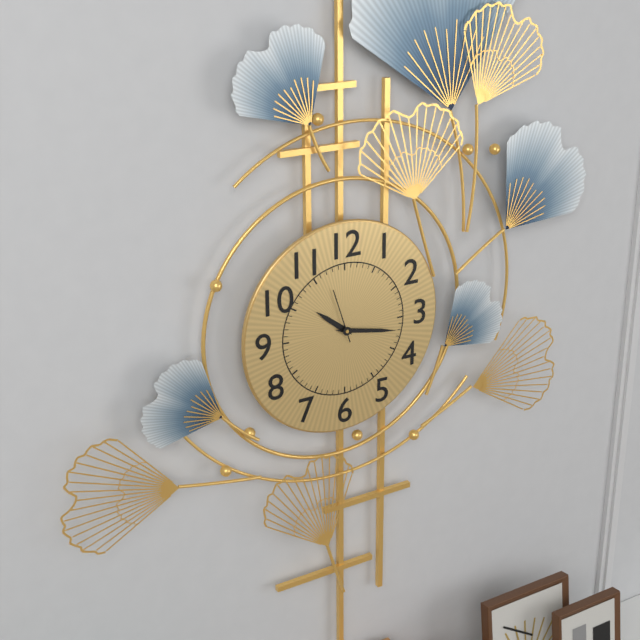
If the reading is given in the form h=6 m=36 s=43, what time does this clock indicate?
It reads h=10 m=17 s=57
